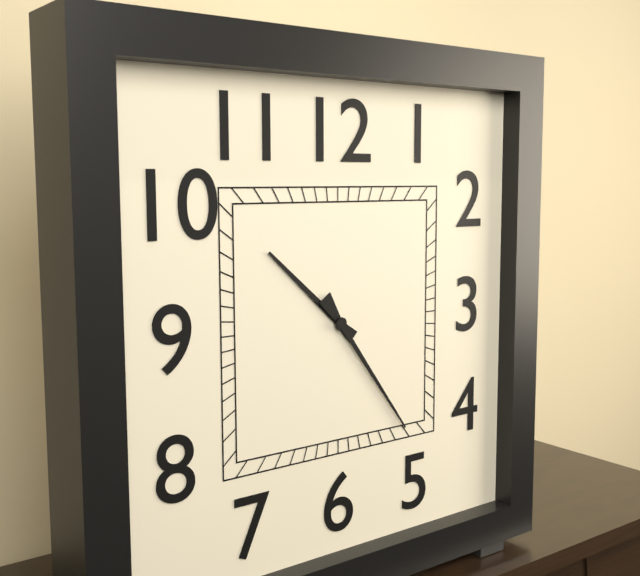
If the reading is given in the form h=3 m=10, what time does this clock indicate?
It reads h=10 m=24
